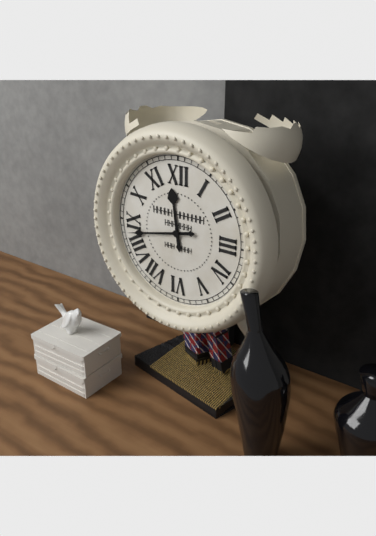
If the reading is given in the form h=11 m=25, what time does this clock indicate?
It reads h=11 m=43
